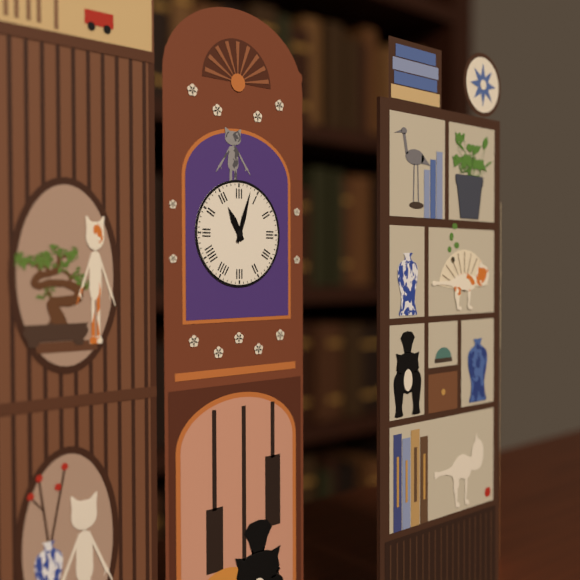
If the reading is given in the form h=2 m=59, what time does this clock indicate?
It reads h=11 m=3
